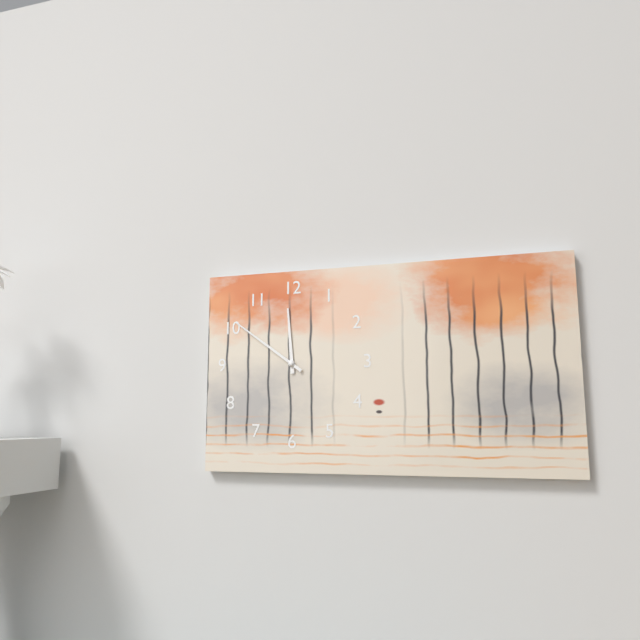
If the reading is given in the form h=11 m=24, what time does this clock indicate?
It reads h=11 m=51
